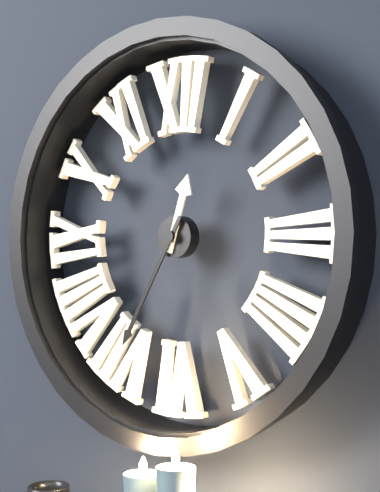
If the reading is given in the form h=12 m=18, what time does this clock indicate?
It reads h=12 m=35
